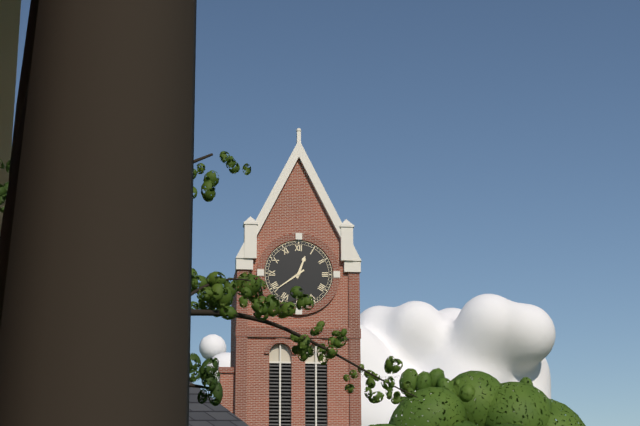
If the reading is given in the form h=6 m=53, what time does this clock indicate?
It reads h=12 m=39
